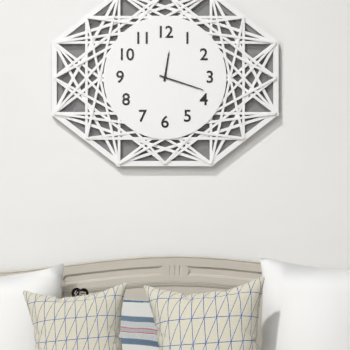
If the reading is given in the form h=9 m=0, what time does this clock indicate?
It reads h=12 m=18
